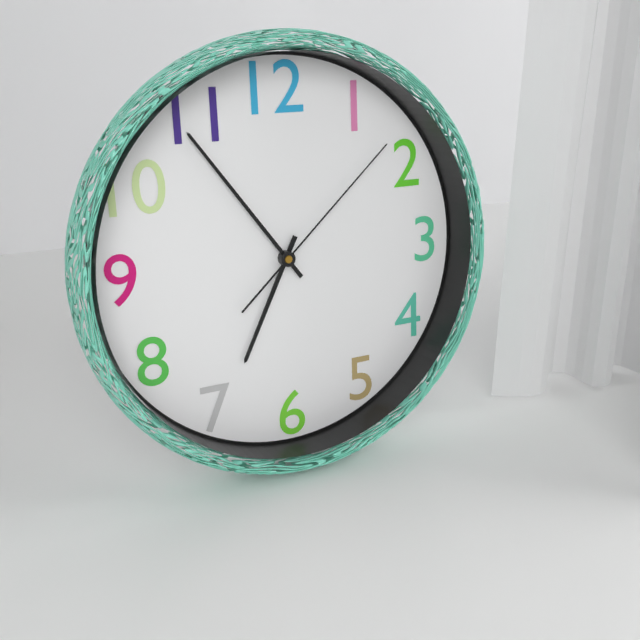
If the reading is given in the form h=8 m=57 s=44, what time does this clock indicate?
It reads h=6 m=54 s=8
